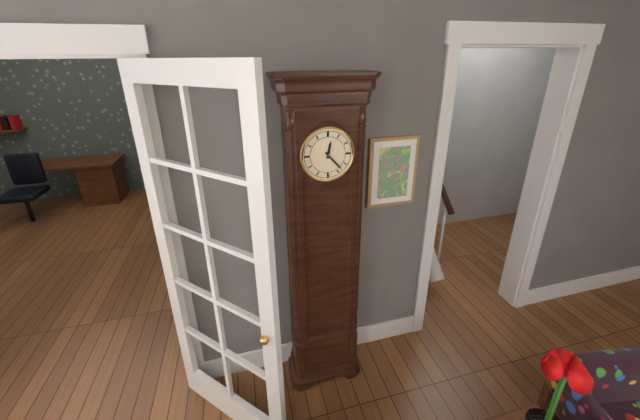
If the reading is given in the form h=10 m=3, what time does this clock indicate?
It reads h=12 m=23
